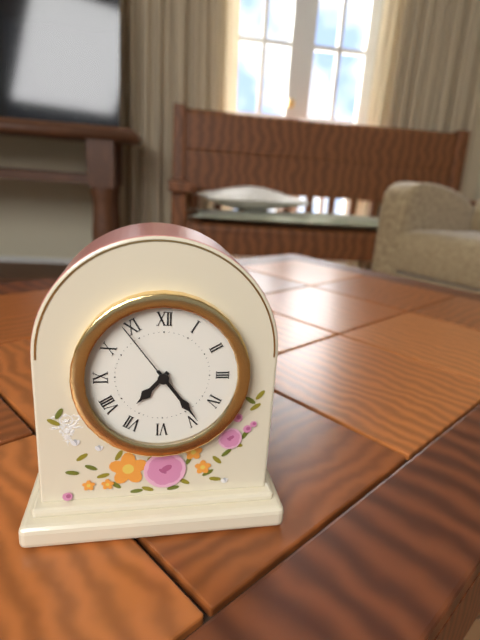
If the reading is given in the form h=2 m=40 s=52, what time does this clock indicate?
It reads h=7 m=24 s=54
